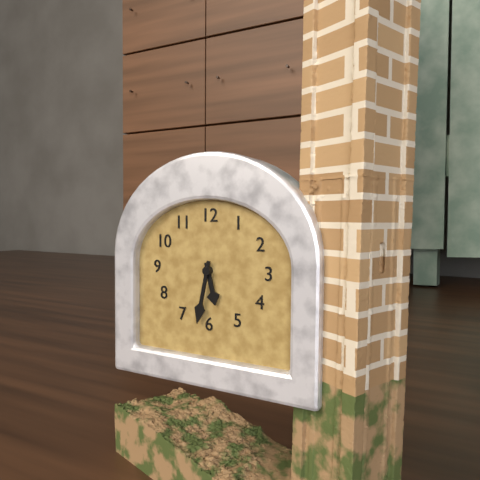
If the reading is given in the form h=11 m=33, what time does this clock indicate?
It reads h=5 m=32
